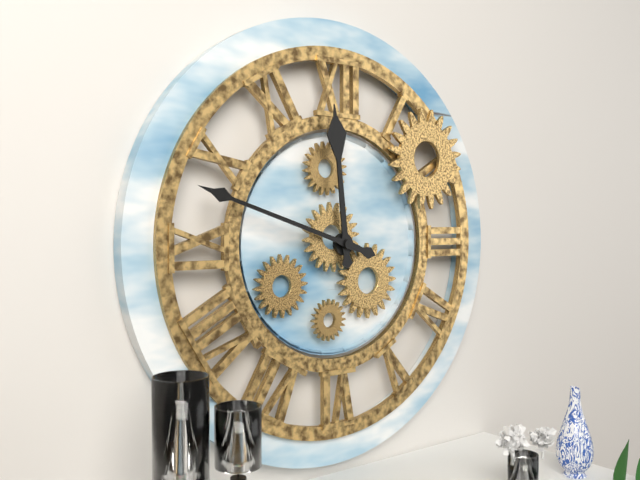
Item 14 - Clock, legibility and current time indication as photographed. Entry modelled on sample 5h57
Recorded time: 11h48
